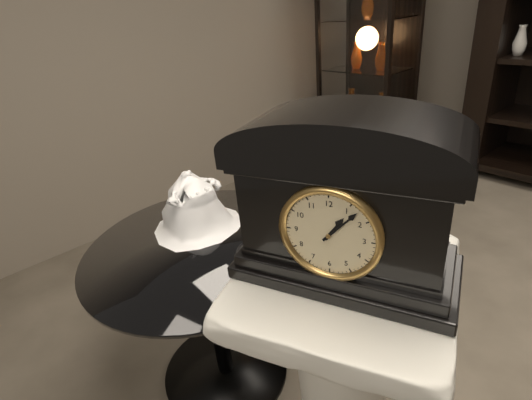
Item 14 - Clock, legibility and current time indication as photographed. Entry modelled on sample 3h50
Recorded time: 1h07
